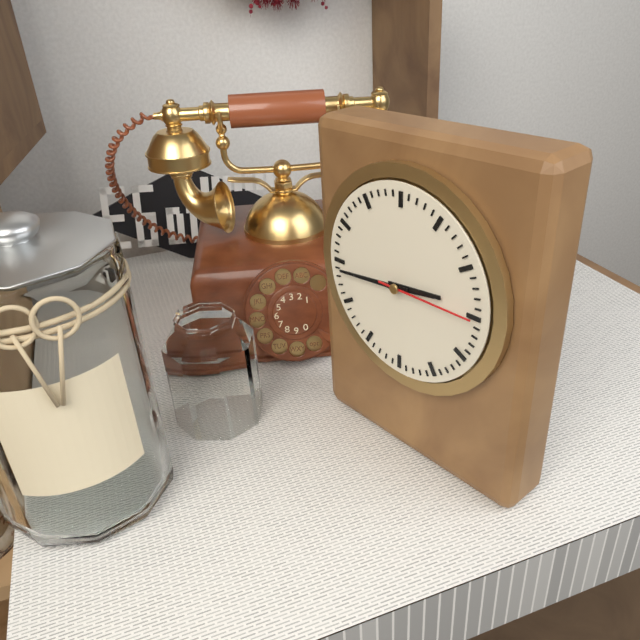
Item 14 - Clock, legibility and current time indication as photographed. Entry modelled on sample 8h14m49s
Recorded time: 2h44m15s
